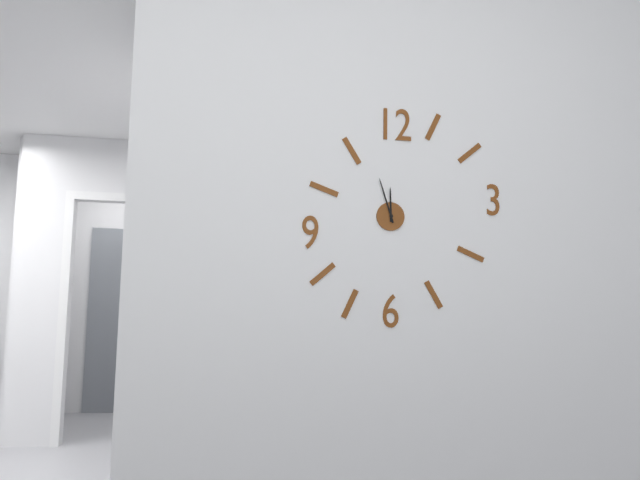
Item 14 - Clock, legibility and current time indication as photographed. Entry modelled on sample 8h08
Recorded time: 11h57
